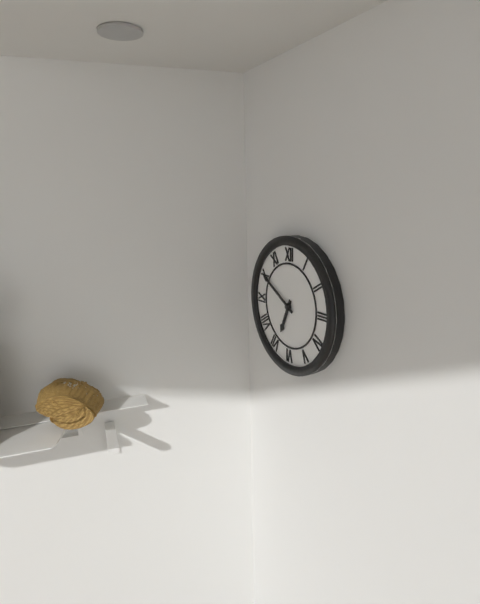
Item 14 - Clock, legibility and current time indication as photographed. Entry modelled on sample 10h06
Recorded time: 6h50
